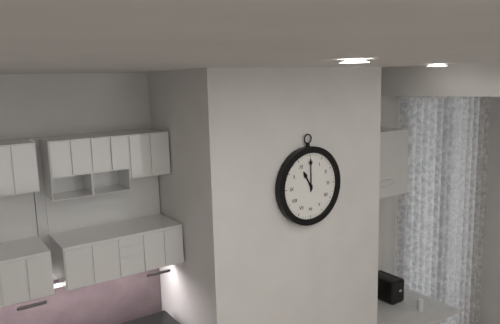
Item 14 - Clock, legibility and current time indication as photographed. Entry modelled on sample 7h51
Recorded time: 11h00
